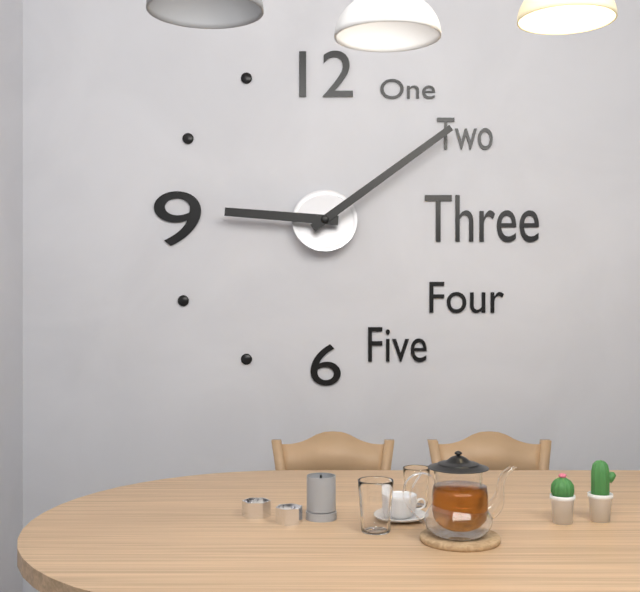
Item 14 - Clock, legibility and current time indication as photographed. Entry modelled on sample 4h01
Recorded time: 9h09
